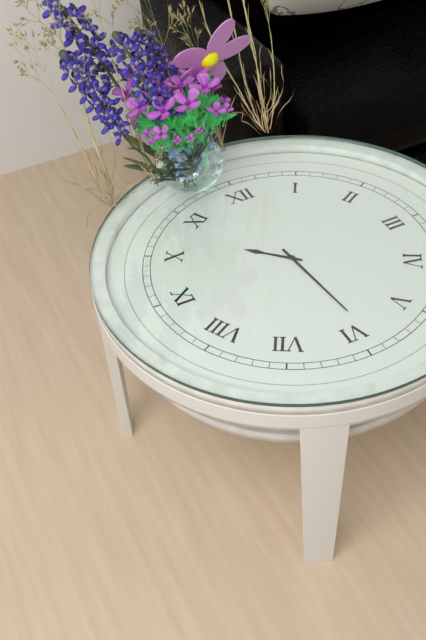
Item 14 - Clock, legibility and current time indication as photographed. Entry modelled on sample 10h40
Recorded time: 10h29
